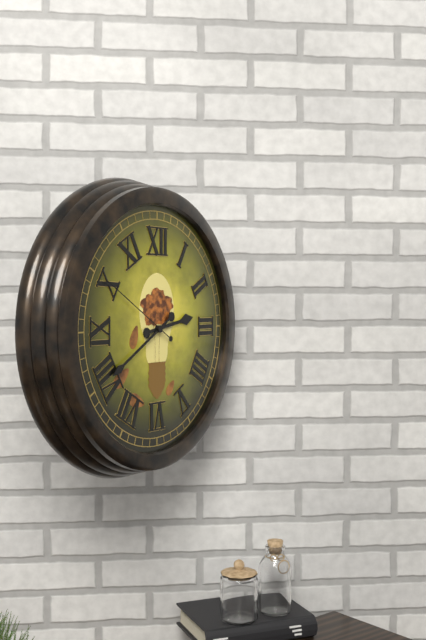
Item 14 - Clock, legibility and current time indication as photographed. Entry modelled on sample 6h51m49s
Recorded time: 2h40m50s
